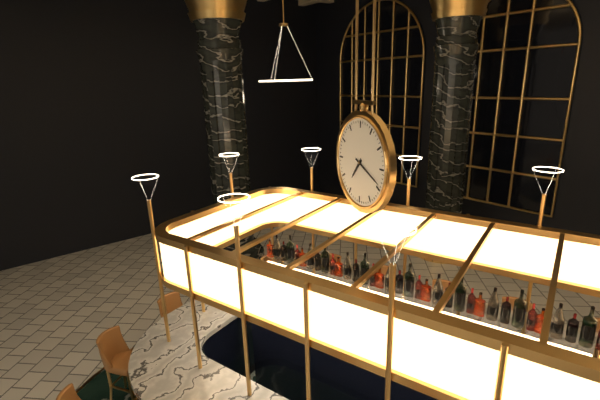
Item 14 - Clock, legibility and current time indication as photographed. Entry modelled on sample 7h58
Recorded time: 7h19
